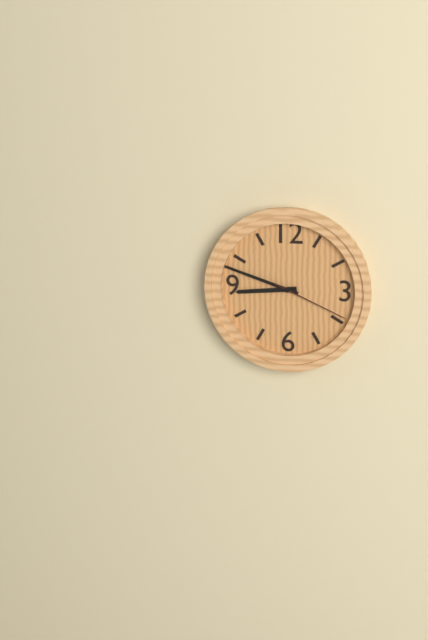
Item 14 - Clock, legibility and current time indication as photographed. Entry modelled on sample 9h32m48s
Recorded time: 8h48m19s
